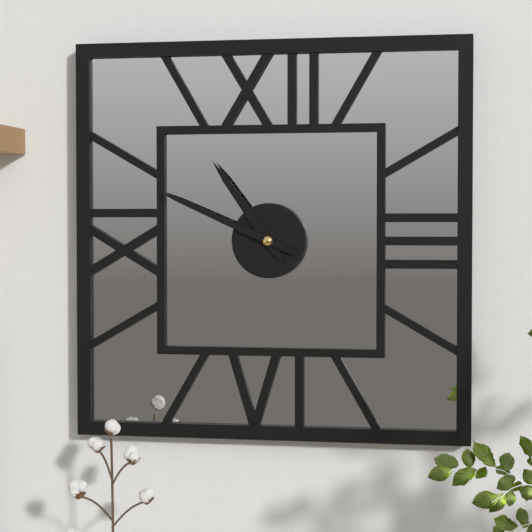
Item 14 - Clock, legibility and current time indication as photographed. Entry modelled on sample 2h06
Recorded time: 10h49
